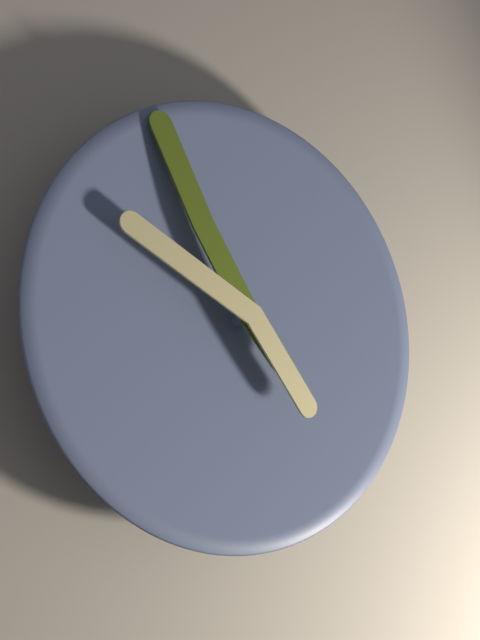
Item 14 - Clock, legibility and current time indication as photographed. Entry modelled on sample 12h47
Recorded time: 9h55
